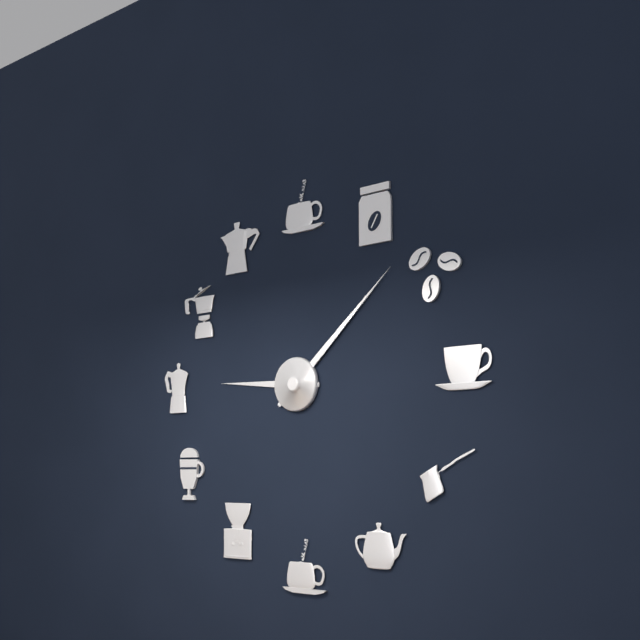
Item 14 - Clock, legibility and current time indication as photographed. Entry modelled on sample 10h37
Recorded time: 9h08
